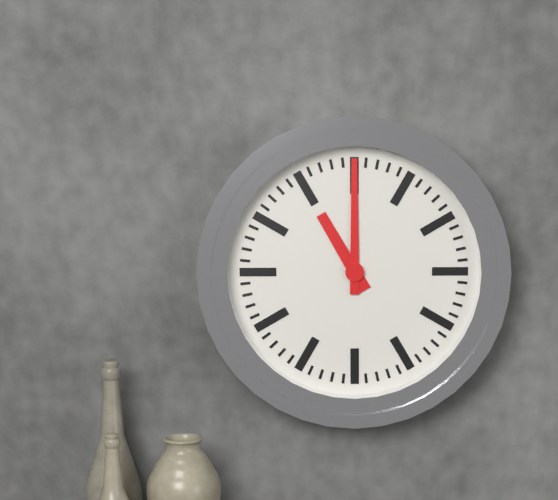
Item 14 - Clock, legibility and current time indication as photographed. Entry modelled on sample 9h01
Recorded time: 11h00
